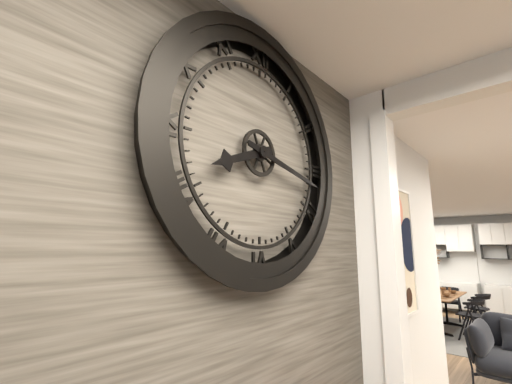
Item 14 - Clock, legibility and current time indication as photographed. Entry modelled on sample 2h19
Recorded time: 8h17
